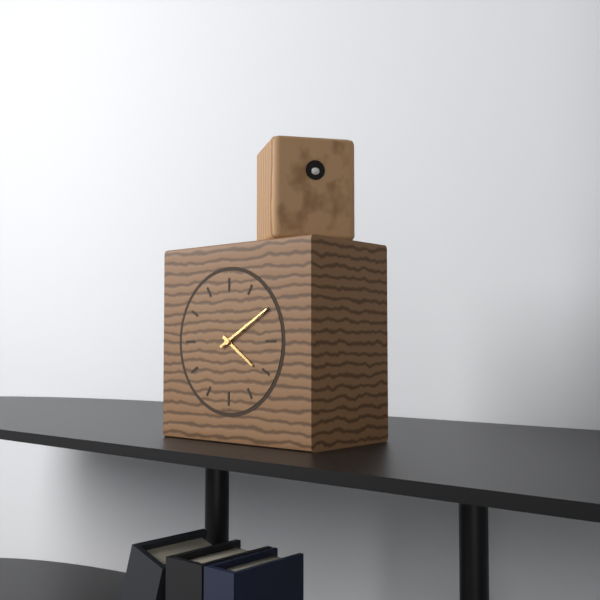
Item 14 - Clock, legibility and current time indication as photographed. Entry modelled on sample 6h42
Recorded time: 4h10
